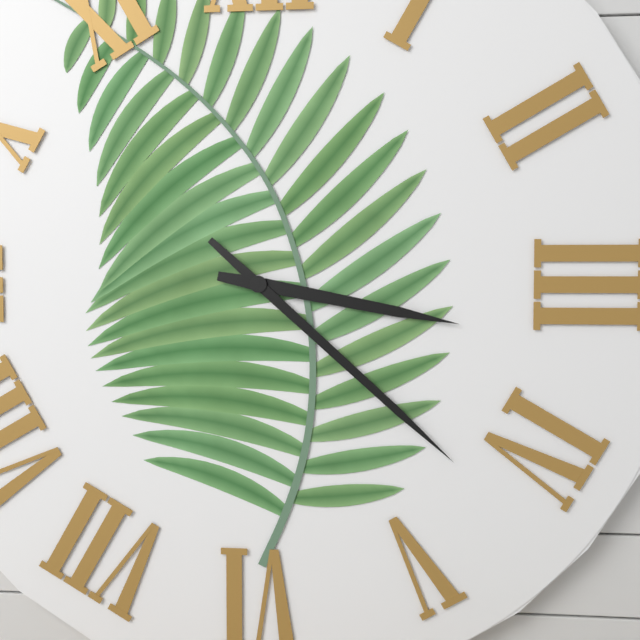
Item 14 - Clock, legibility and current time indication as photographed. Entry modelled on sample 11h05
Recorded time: 3h22
